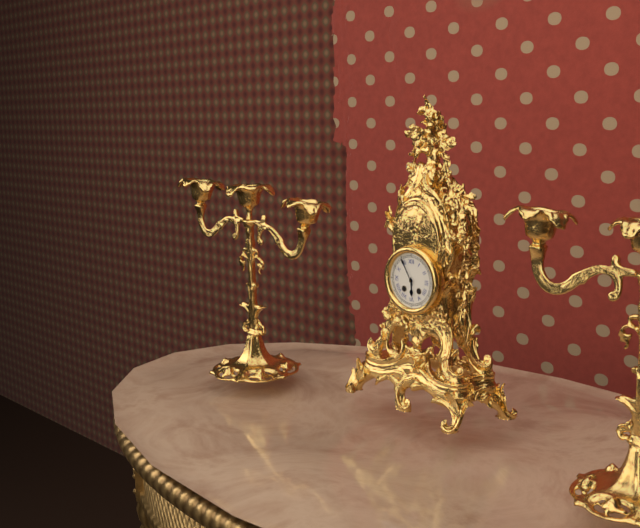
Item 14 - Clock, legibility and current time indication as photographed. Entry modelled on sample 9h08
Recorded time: 5h55
